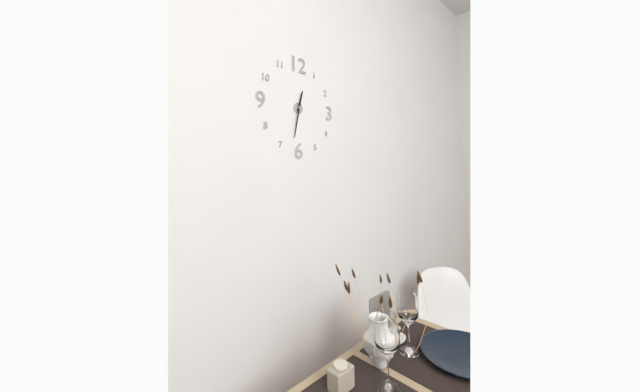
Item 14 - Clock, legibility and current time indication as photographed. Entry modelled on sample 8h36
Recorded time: 12h32
